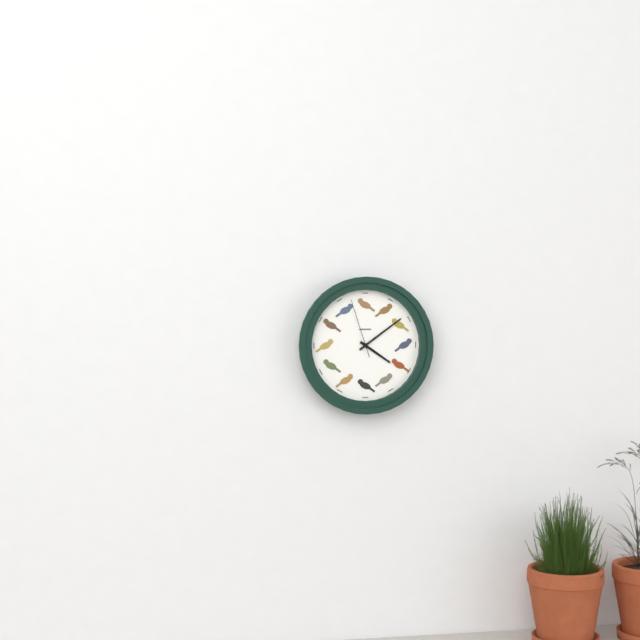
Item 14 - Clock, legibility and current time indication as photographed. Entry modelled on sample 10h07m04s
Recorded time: 4h09m57s
